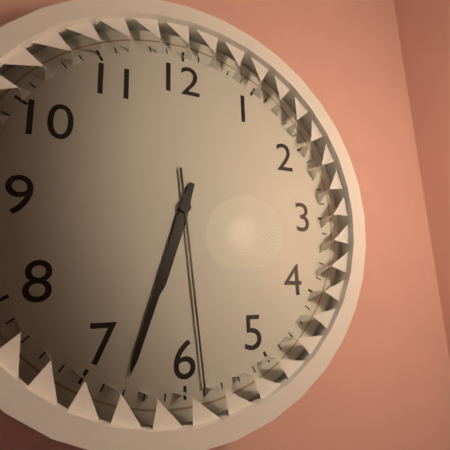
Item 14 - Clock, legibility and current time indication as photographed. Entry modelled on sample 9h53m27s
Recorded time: 6h33m29s
